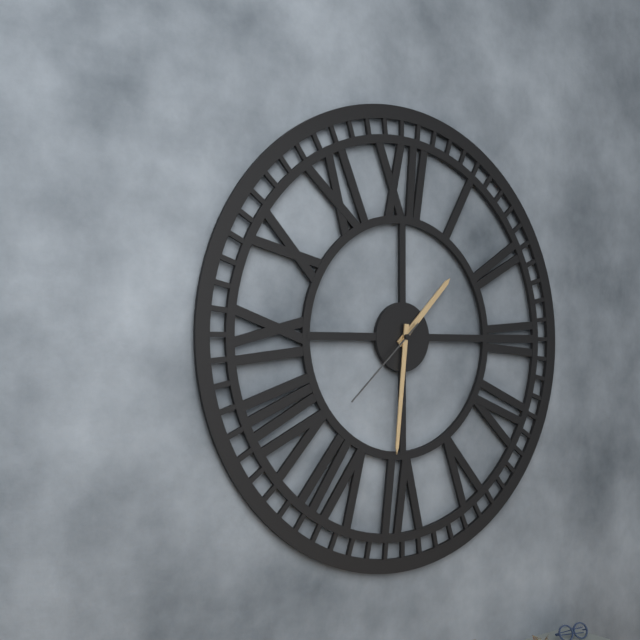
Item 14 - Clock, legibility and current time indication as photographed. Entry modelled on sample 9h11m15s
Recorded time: 1h31m38s
